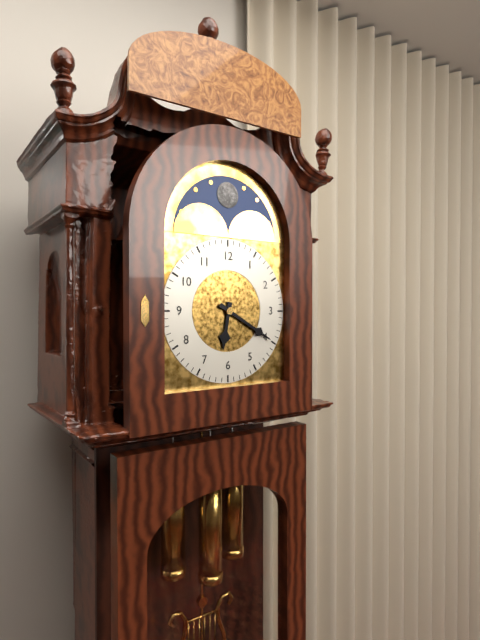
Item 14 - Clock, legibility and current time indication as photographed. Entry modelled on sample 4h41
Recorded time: 6h20
